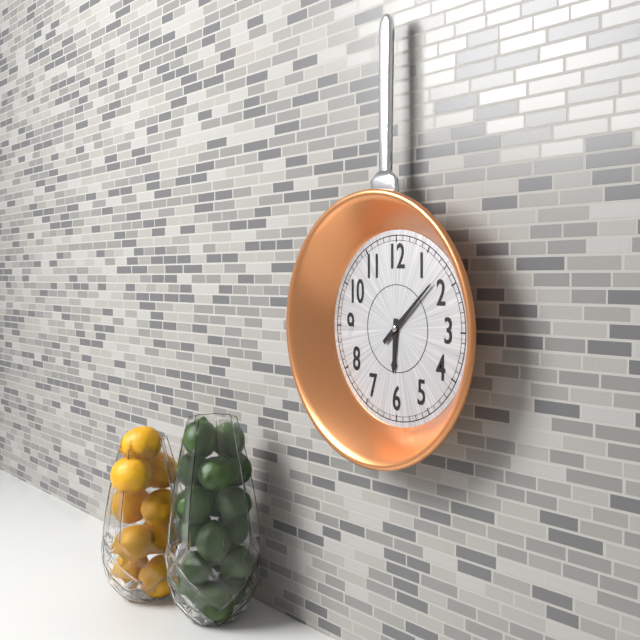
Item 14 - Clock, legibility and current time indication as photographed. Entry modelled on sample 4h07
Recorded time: 6h08
